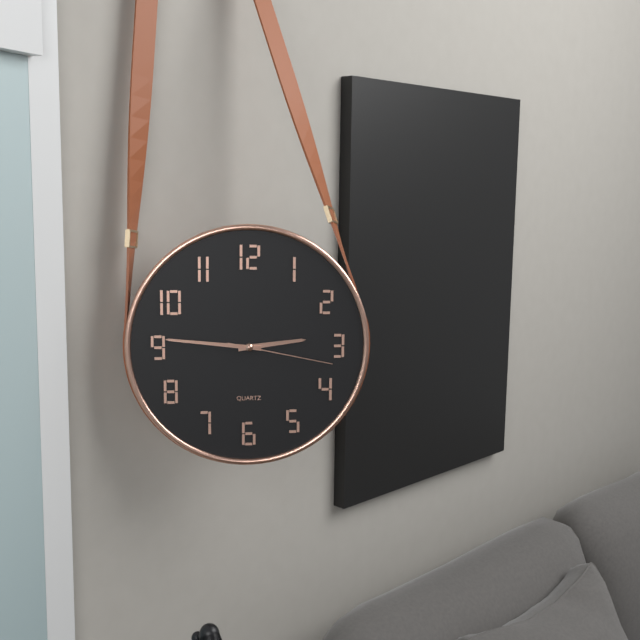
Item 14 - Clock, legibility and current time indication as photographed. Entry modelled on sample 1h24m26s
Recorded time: 2h46m17s
